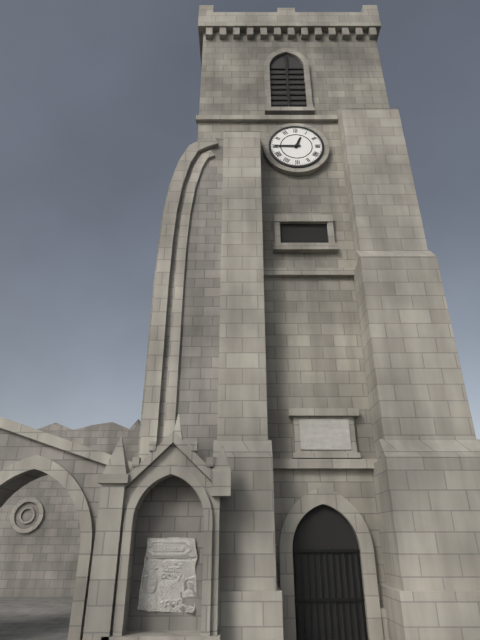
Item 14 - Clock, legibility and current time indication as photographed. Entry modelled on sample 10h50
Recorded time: 12h45
